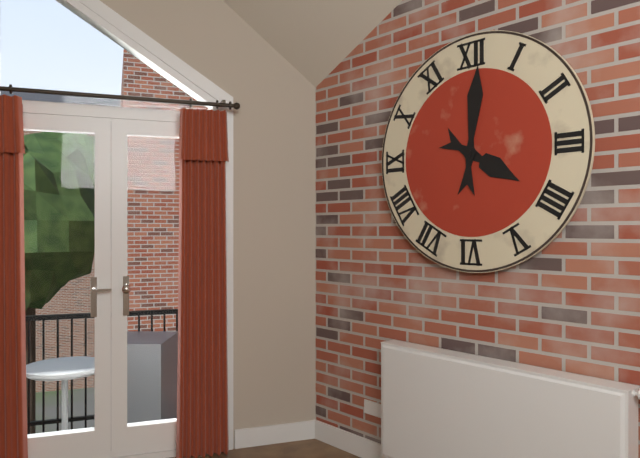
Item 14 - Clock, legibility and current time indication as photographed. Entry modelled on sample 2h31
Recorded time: 4h01
